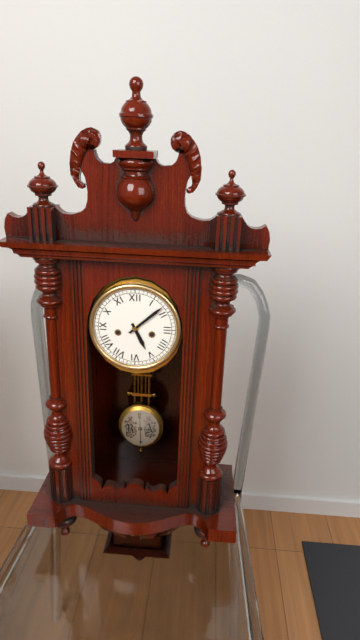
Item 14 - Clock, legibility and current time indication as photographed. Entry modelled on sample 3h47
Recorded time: 5h08
